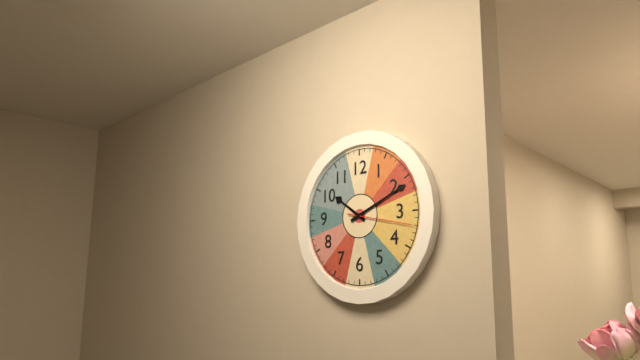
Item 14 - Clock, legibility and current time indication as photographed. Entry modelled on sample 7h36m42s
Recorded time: 10h11m17s
